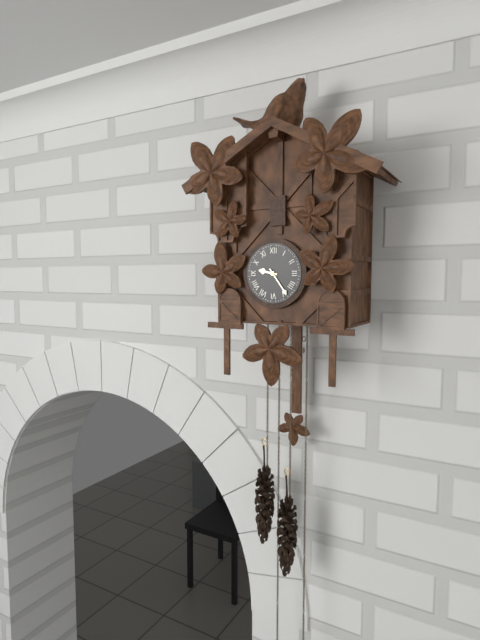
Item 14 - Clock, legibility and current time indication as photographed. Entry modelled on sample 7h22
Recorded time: 9h24
